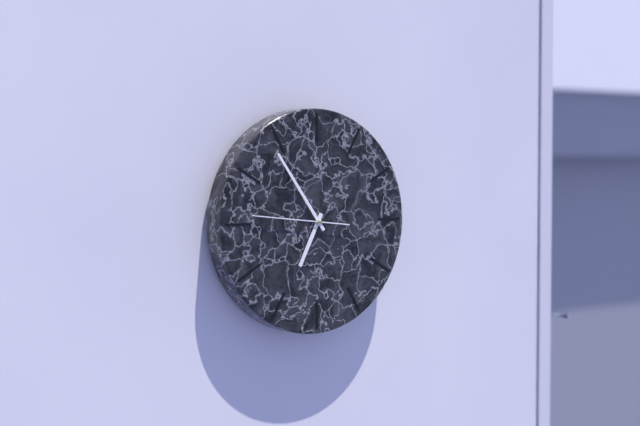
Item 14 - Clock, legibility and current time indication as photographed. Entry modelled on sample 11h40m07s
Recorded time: 6h54m46s
